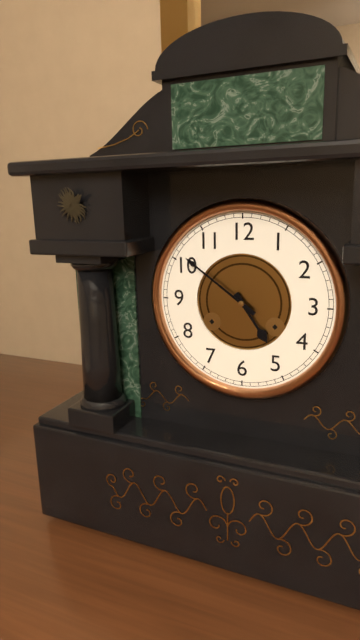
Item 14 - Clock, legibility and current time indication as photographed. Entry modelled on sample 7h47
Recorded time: 4h51
